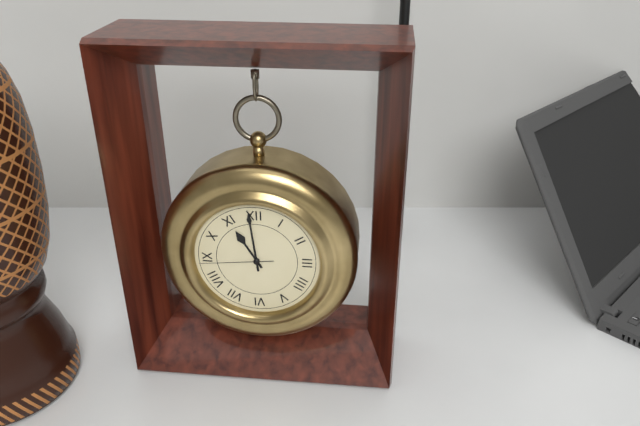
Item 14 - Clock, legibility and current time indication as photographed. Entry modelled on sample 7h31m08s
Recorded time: 10h59m44s
